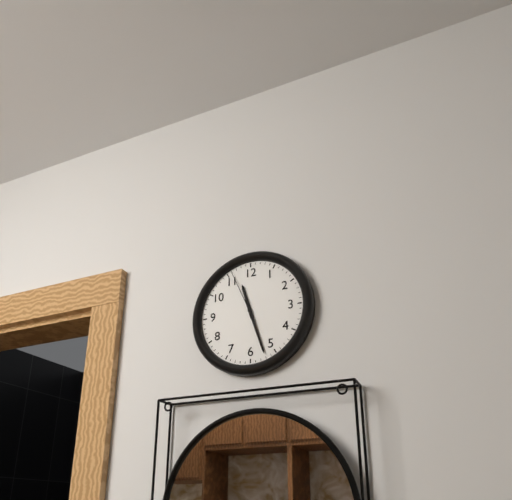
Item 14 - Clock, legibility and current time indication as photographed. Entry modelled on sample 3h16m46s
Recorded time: 11h27m56s
